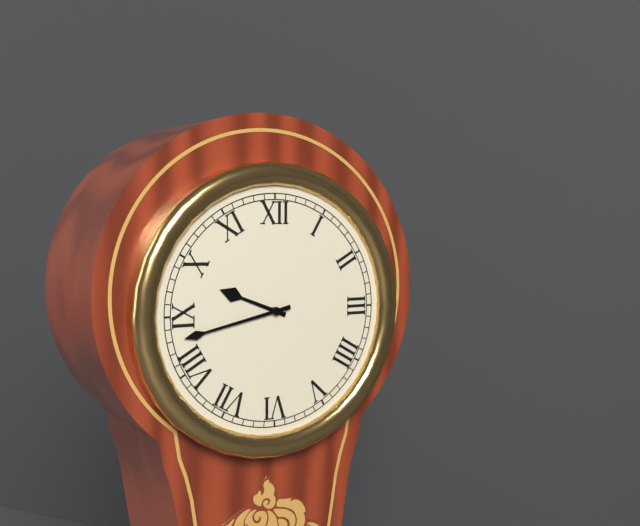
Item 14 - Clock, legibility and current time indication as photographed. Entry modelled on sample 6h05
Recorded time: 9h43
